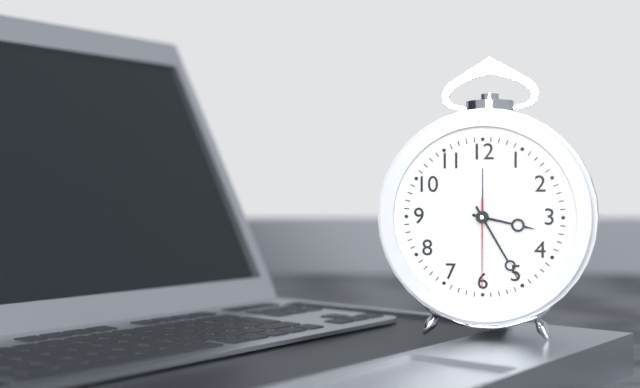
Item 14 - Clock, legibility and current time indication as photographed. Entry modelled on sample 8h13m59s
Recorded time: 3h25m30s
